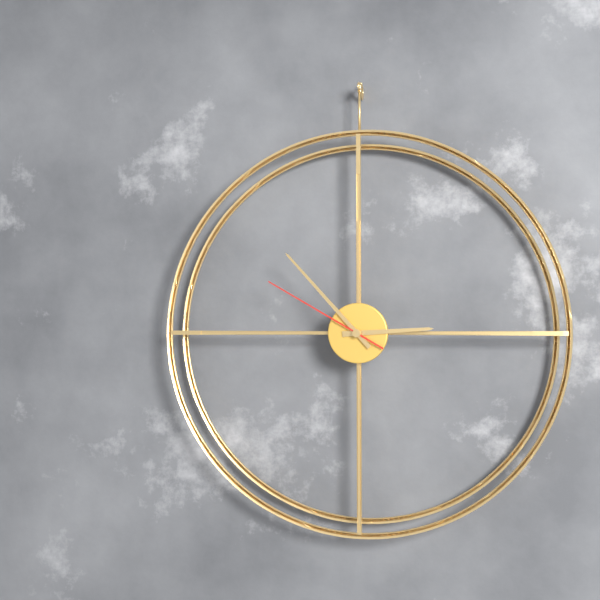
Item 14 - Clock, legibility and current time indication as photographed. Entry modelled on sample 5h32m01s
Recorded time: 2h53m50s
